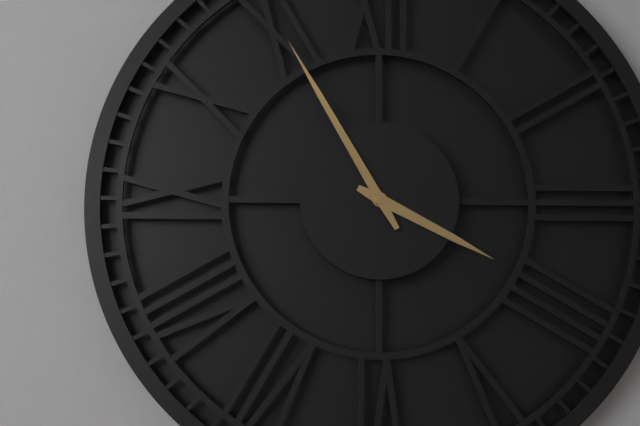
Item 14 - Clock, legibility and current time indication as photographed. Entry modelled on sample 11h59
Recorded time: 3h55
